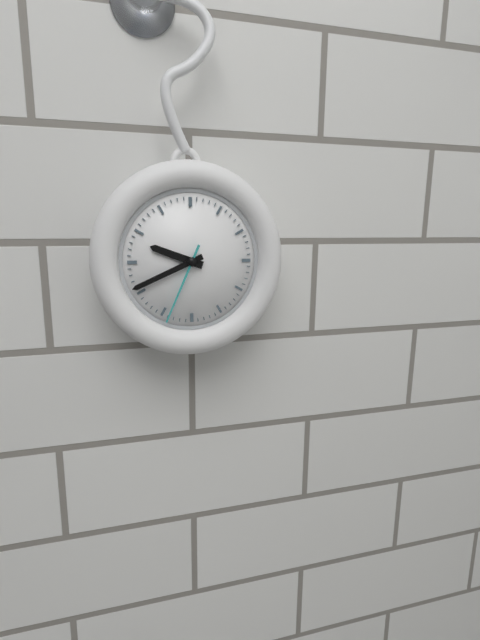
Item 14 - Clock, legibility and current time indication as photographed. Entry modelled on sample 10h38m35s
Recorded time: 9h41m34s
